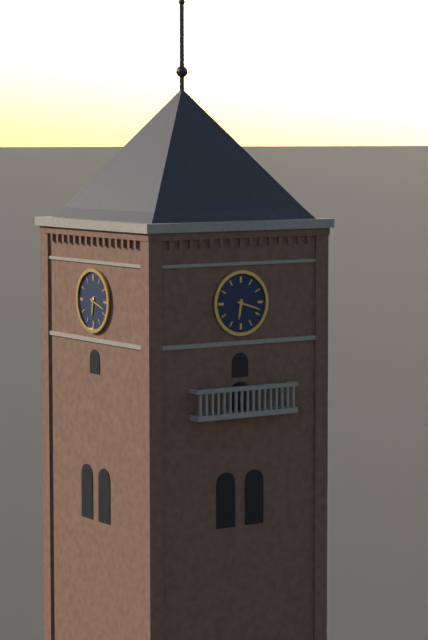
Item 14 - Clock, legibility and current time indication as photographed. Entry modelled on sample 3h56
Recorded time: 6h18
